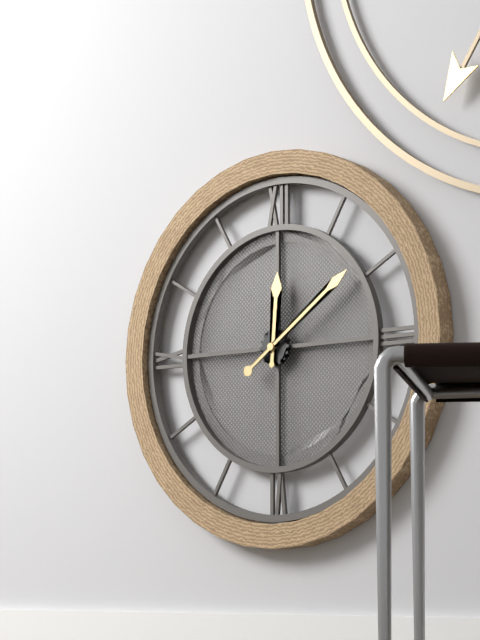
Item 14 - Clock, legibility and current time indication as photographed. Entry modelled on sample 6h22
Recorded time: 12h09
